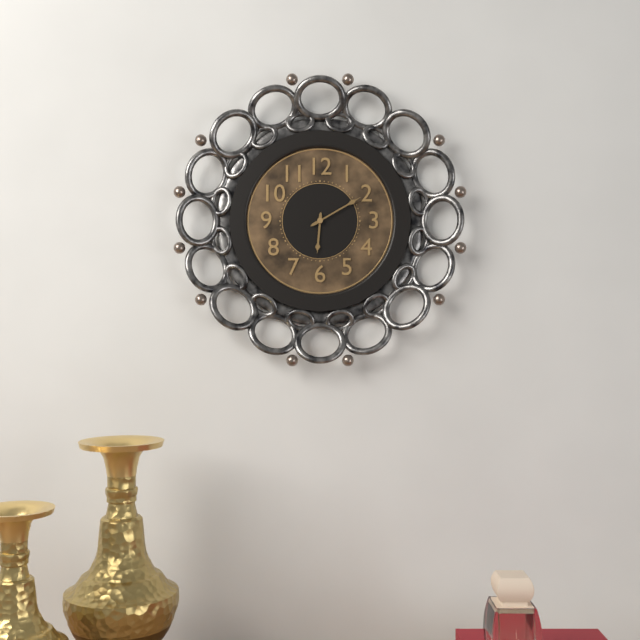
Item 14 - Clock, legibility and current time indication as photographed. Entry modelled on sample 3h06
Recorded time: 6h10
